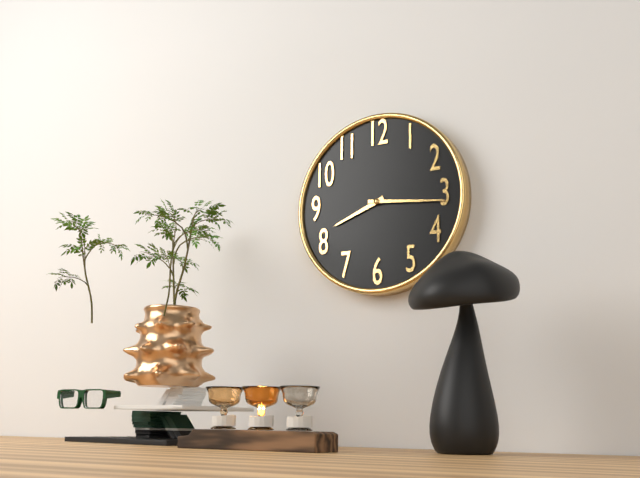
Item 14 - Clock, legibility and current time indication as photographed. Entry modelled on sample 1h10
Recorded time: 8h16
